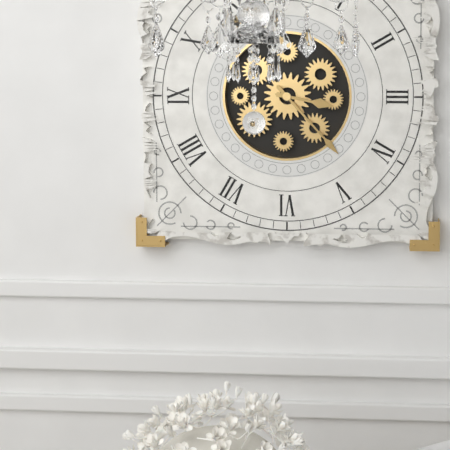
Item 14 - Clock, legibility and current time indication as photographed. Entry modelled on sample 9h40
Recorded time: 3h23
